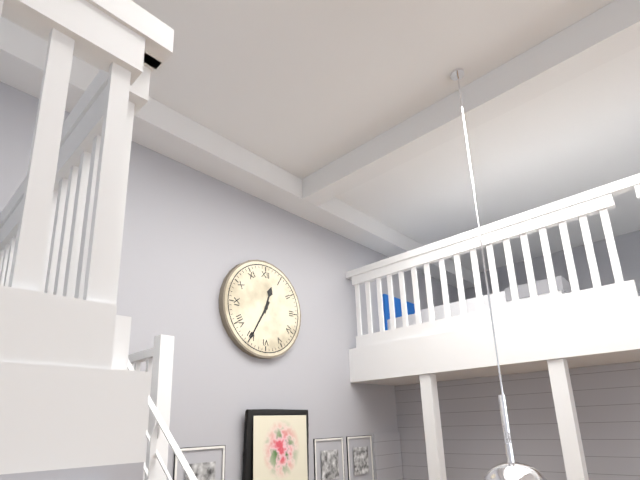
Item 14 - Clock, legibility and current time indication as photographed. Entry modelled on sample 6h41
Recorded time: 12h35
